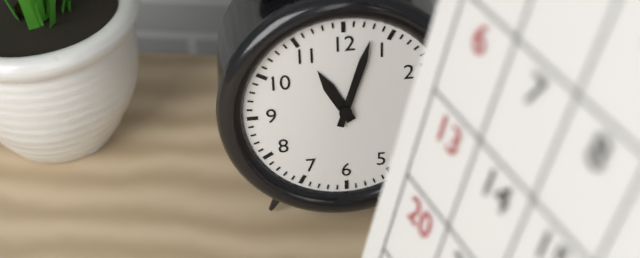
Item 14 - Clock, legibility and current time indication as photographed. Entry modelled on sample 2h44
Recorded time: 11h03
